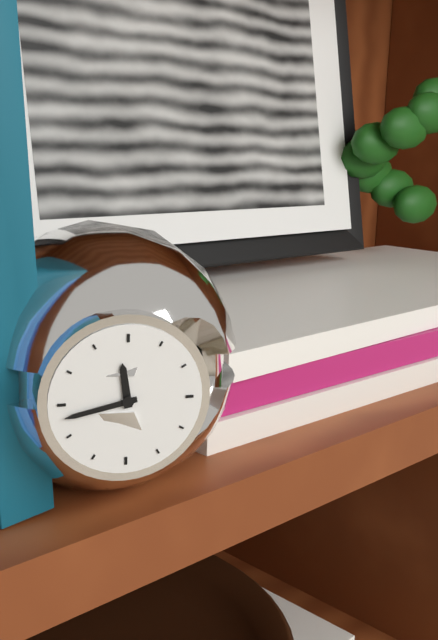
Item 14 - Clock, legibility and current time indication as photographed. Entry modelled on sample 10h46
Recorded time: 11h43
